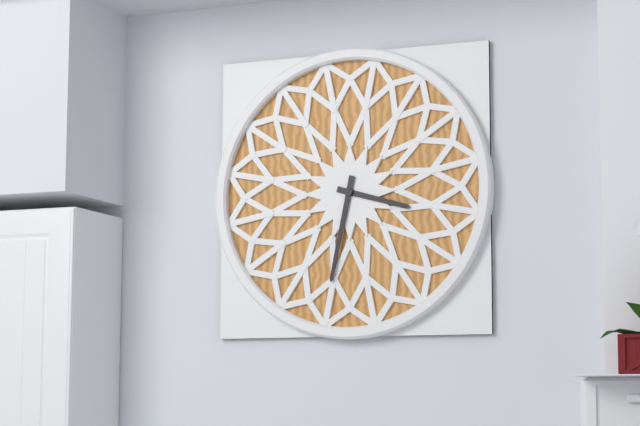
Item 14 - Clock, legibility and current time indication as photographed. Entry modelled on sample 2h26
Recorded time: 3h32
